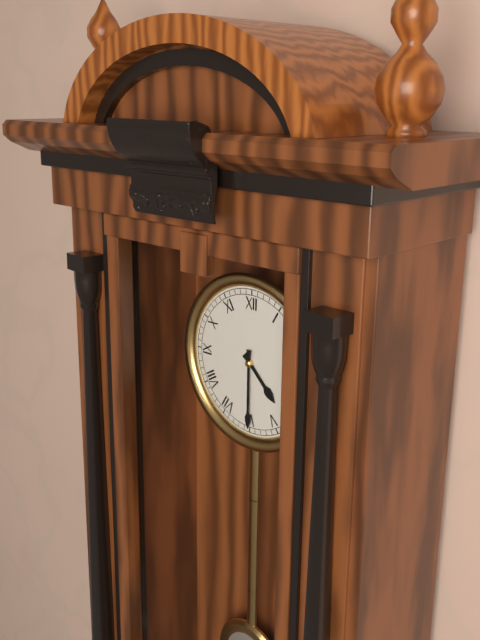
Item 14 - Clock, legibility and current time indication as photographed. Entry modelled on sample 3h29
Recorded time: 4h30
